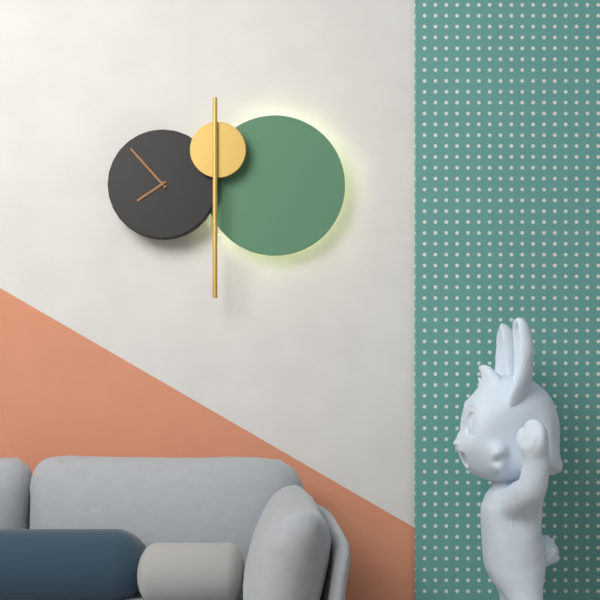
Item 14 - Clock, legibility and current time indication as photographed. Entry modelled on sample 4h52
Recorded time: 7h53
